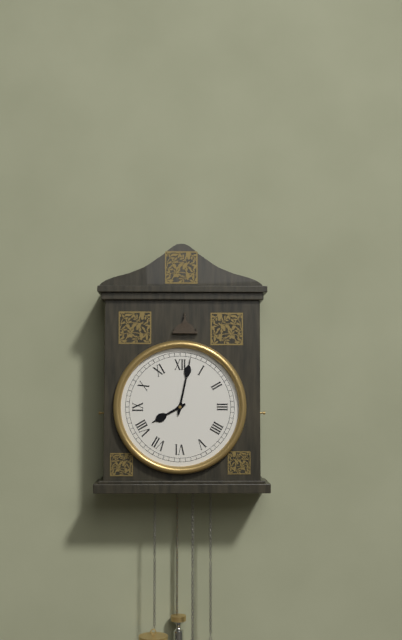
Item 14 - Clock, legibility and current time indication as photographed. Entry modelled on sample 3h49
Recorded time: 8h02
